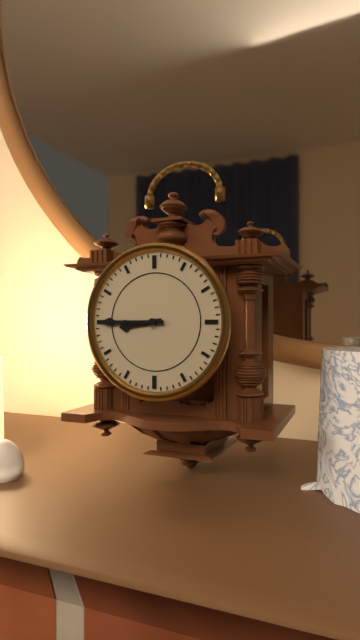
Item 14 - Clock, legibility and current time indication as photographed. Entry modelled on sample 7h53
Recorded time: 8h45
